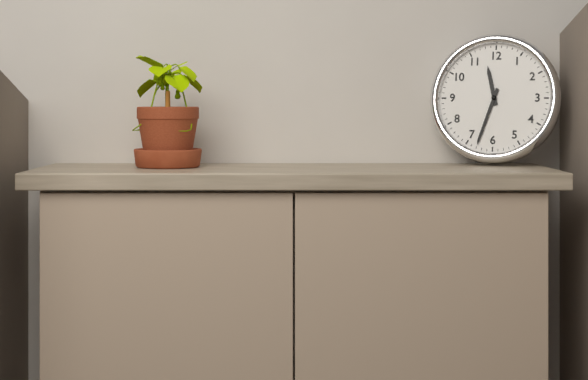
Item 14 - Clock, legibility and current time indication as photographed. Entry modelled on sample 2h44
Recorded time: 11h33
